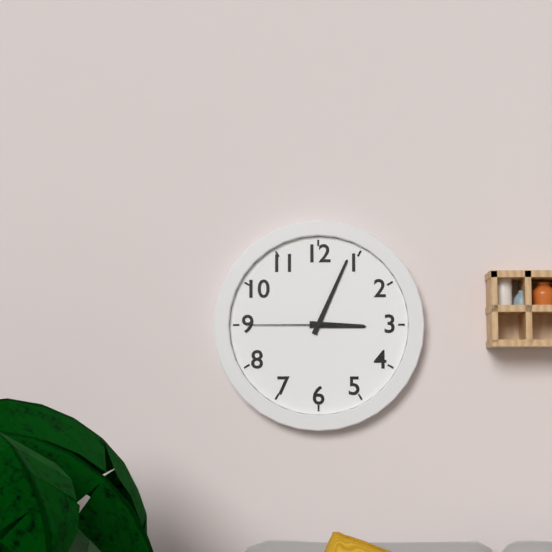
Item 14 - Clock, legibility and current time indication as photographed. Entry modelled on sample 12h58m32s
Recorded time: 3h04m45s
